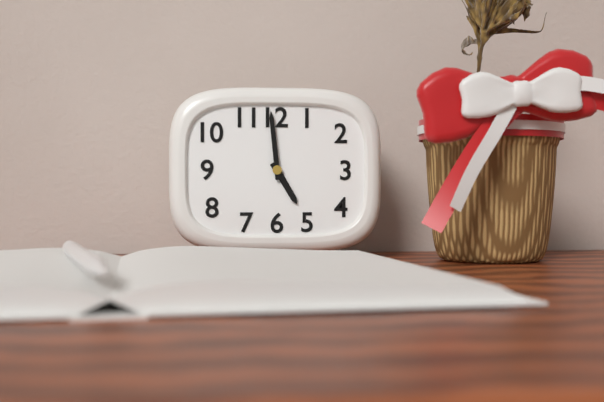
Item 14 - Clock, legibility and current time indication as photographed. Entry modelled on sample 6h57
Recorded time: 4h59
